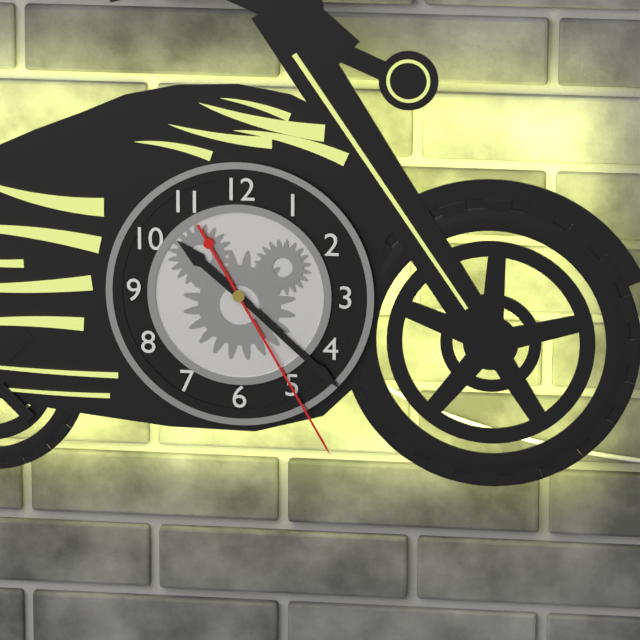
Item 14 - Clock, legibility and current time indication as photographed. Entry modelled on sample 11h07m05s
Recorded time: 10h22m25s
